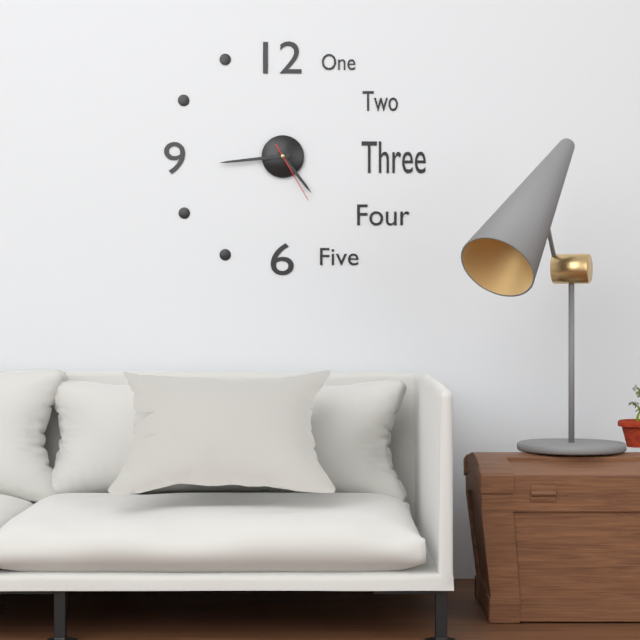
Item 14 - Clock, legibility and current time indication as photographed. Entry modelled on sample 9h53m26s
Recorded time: 4h44m25s
